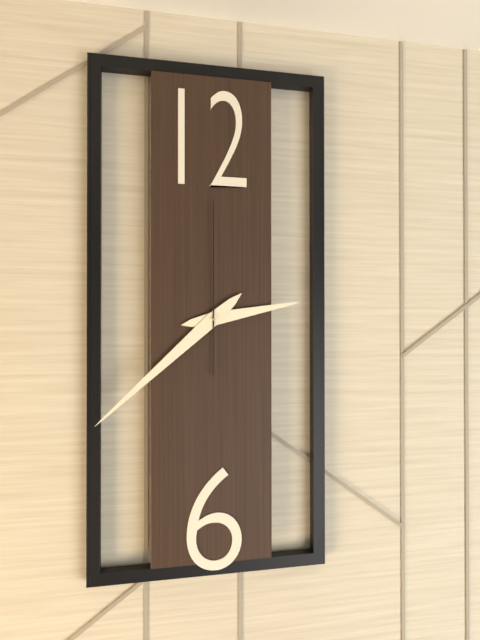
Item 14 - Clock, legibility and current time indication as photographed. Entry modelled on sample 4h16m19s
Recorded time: 2h38m00s
